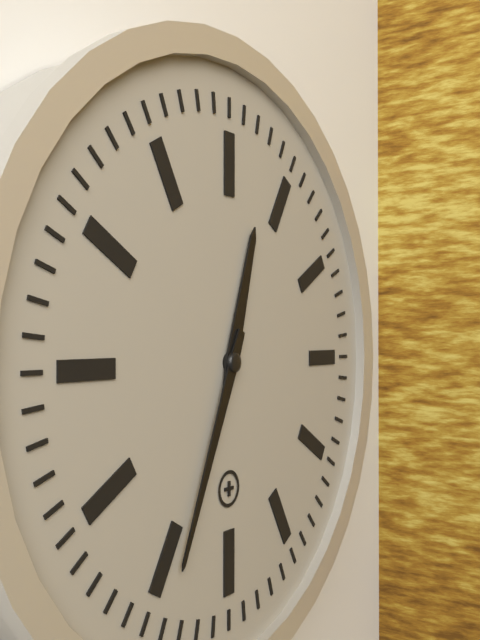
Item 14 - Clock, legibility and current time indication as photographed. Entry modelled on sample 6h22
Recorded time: 12h34
